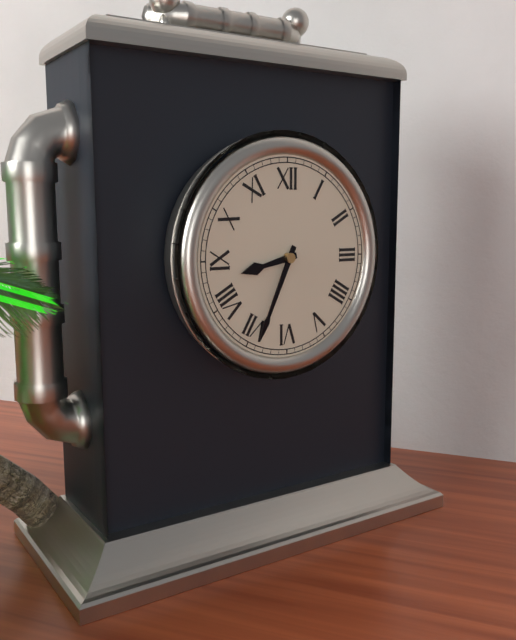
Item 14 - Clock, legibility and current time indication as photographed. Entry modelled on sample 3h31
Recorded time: 8h34
